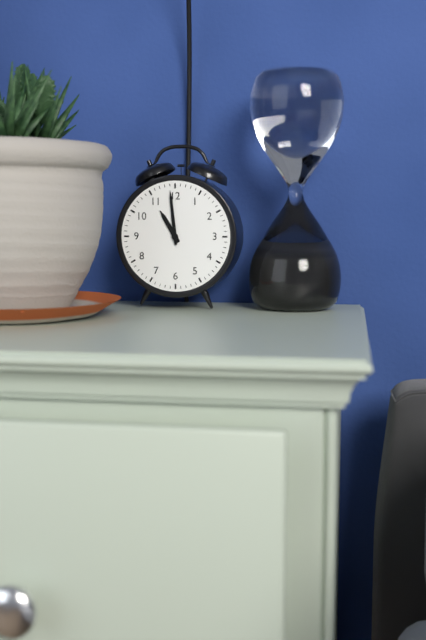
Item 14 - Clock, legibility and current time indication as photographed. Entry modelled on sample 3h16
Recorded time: 10h59
